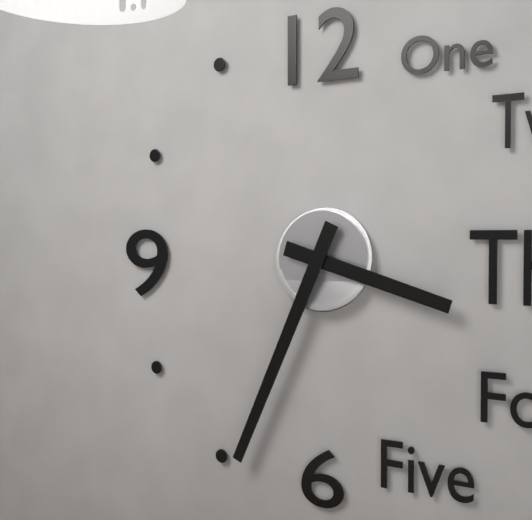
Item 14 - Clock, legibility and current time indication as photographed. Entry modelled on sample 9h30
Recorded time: 3h34
